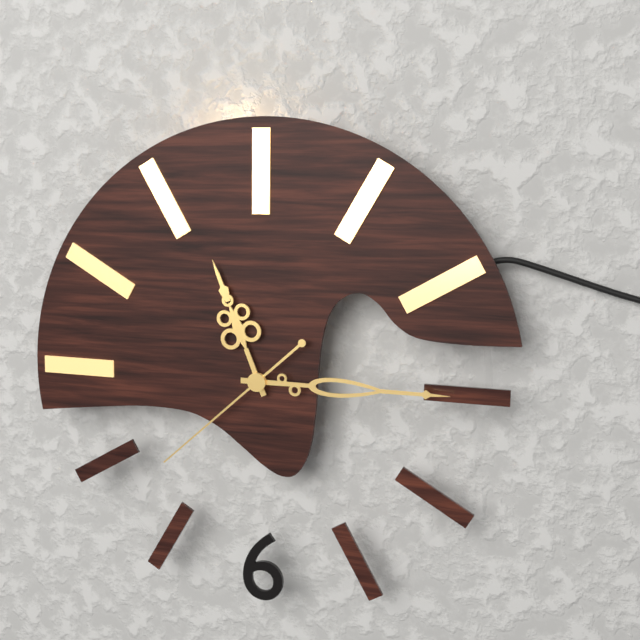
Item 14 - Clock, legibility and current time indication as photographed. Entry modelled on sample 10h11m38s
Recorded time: 11h15m38s
